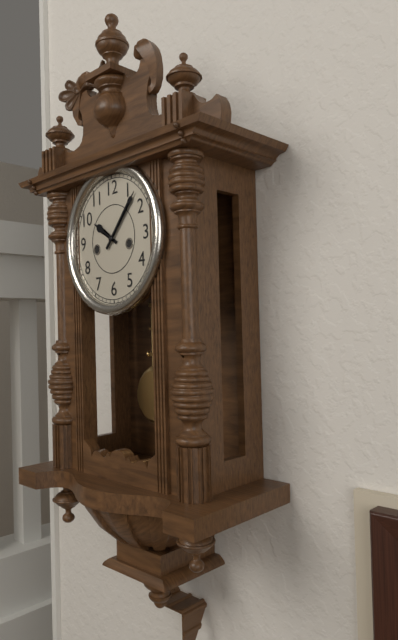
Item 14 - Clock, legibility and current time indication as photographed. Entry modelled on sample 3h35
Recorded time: 10h07
